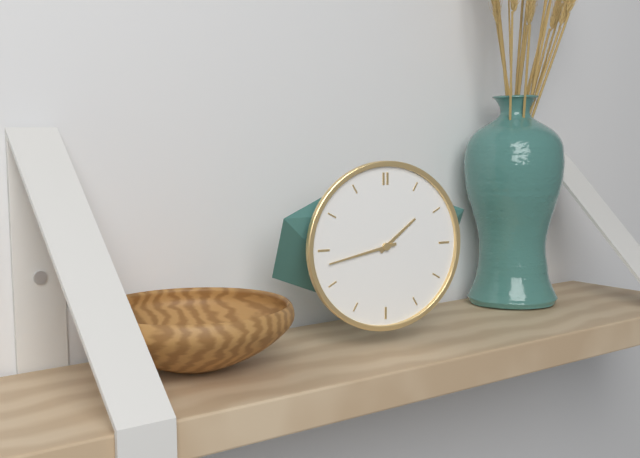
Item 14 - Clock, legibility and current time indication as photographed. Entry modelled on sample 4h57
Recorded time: 1h43
